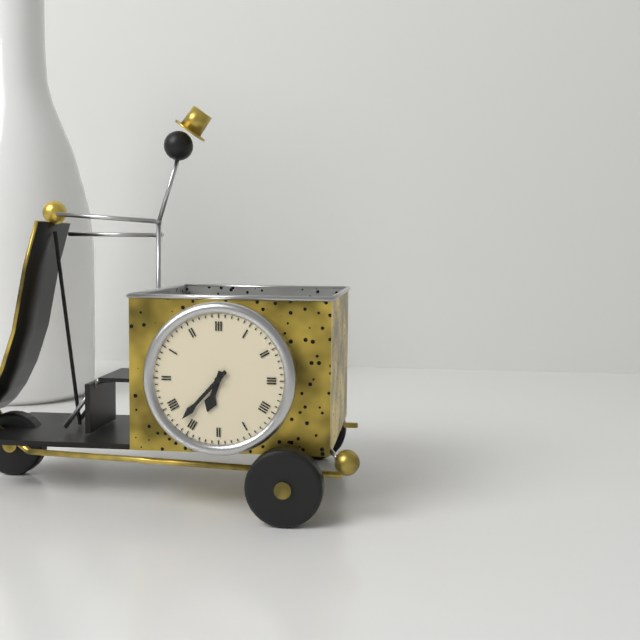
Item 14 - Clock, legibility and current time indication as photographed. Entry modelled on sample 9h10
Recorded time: 6h37
